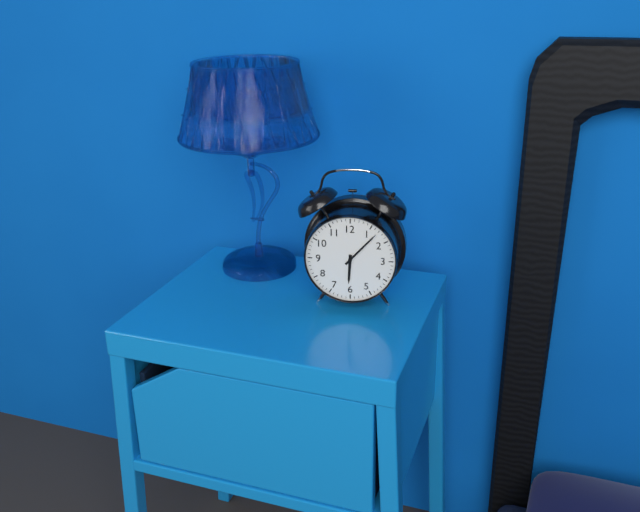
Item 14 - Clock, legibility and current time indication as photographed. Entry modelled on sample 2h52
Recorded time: 6h07
